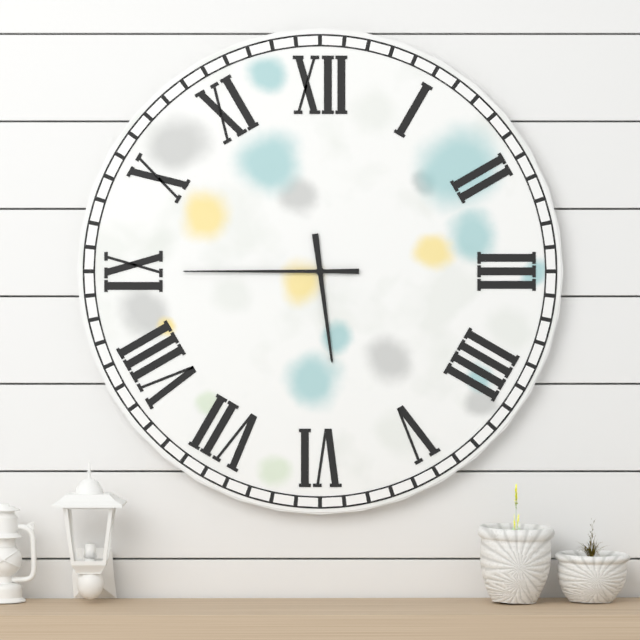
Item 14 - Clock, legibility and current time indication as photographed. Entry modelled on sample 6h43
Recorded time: 5h45
